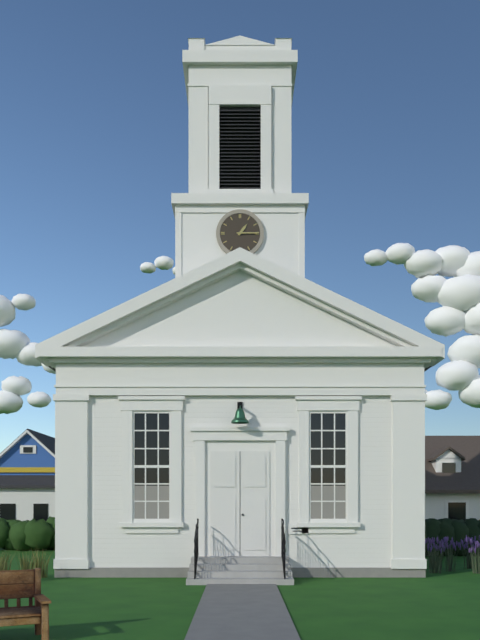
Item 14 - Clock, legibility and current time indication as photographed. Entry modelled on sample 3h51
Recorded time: 1h15
